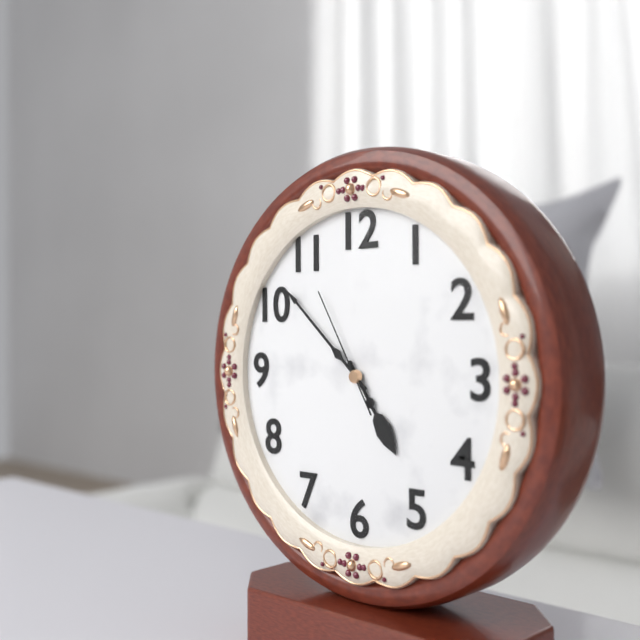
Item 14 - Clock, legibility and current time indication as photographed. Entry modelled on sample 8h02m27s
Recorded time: 4h52m55s
